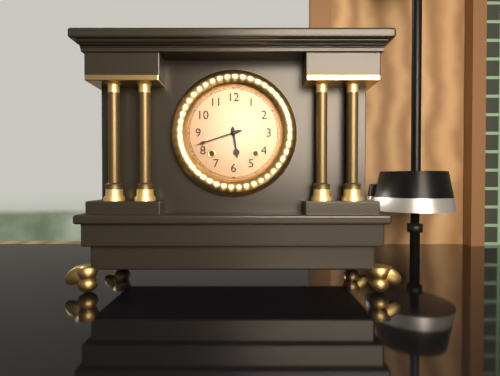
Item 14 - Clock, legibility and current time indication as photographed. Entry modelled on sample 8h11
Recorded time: 5h42
